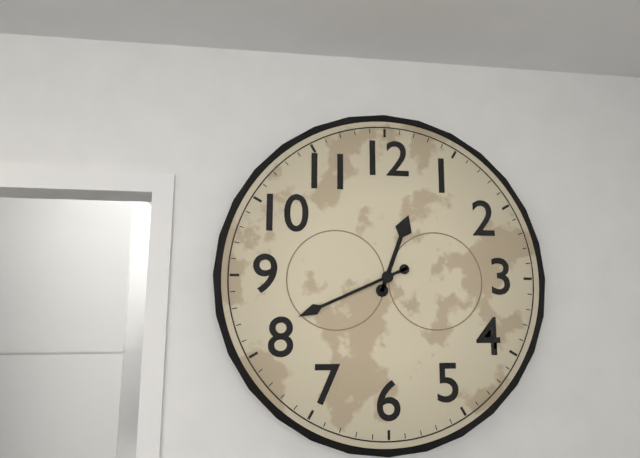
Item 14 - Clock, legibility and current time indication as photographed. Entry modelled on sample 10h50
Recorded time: 12h41
